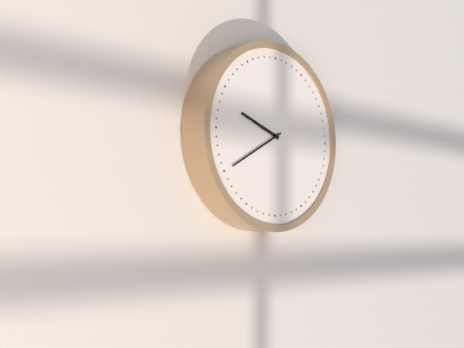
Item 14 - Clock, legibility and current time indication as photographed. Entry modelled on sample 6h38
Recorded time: 9h40
